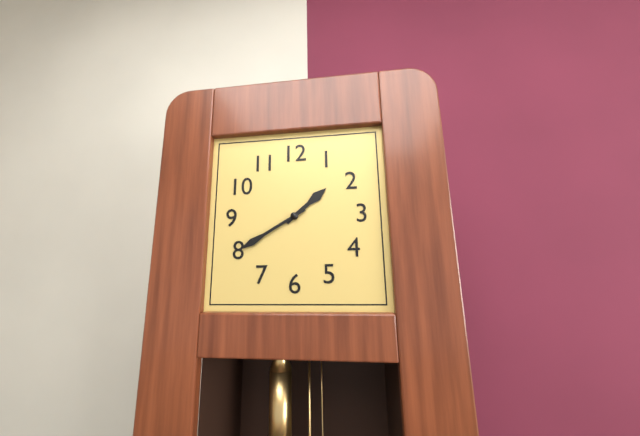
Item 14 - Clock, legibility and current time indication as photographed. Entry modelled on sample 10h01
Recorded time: 1h40
